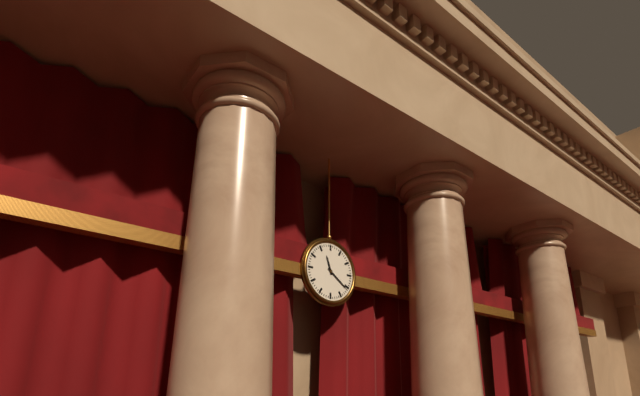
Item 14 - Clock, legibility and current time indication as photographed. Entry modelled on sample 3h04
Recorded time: 11h21
